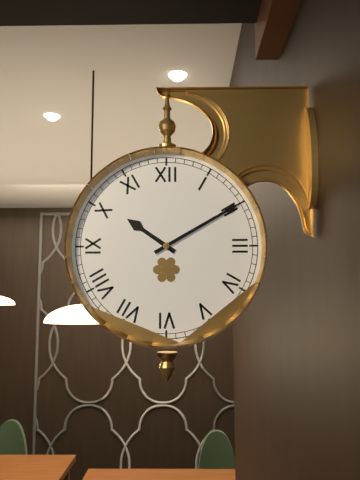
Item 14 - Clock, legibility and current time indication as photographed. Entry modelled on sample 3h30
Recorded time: 10h10
